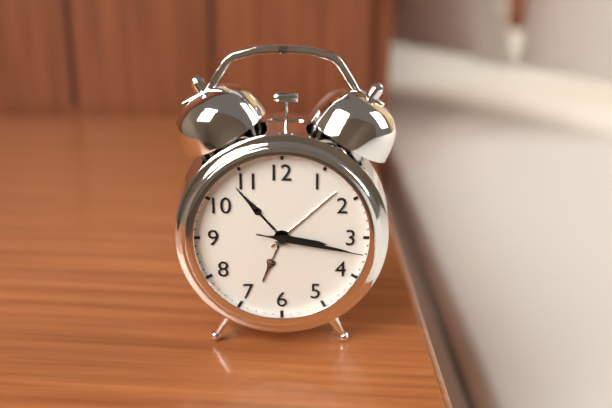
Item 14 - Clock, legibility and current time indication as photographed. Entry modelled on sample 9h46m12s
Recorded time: 3h17m17s
